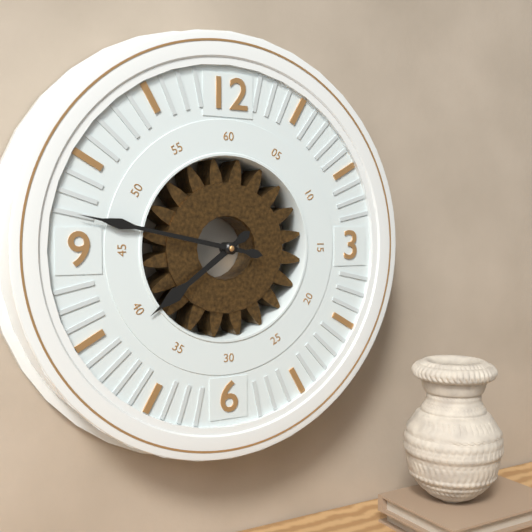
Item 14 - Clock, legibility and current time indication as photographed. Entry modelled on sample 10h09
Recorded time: 7h47
